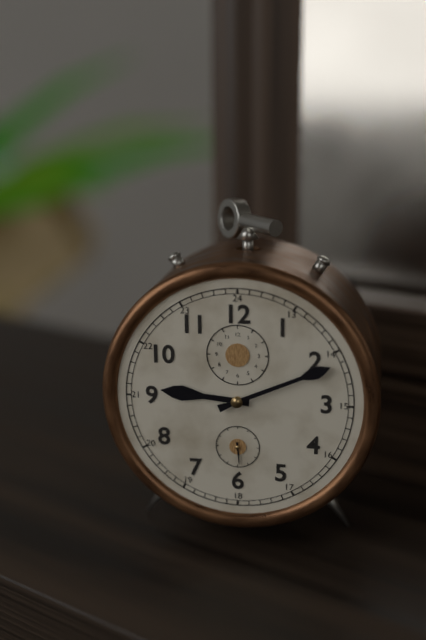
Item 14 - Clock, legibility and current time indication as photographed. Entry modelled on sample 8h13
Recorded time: 9h11
